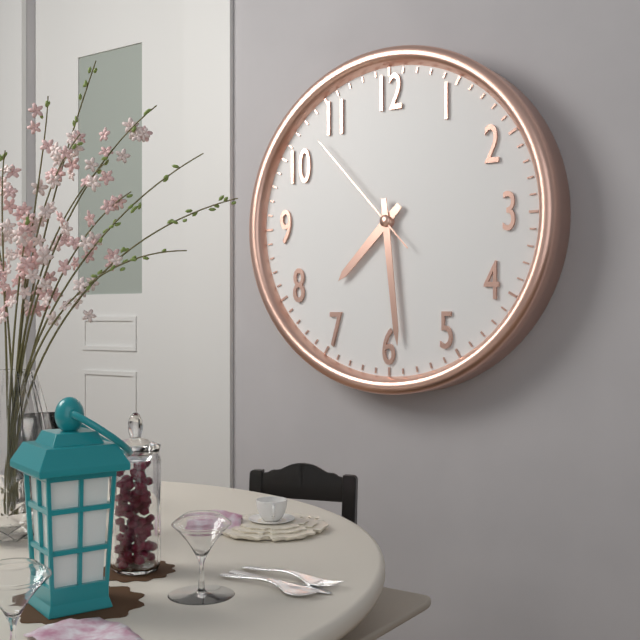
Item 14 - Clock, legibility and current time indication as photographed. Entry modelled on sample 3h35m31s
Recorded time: 7h29m53s
